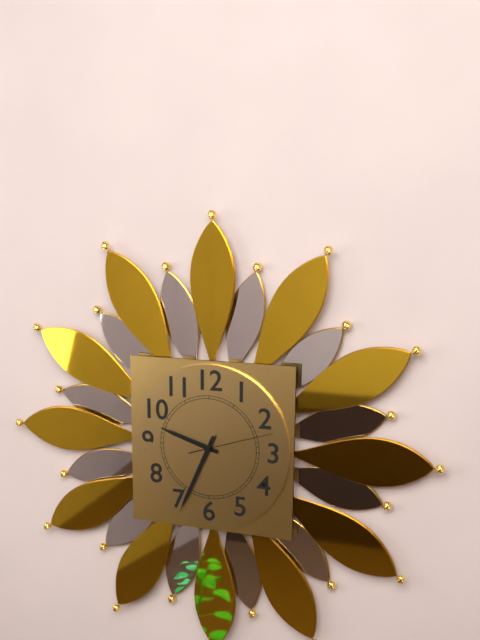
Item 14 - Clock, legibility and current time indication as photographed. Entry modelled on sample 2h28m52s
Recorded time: 9h34m12s
